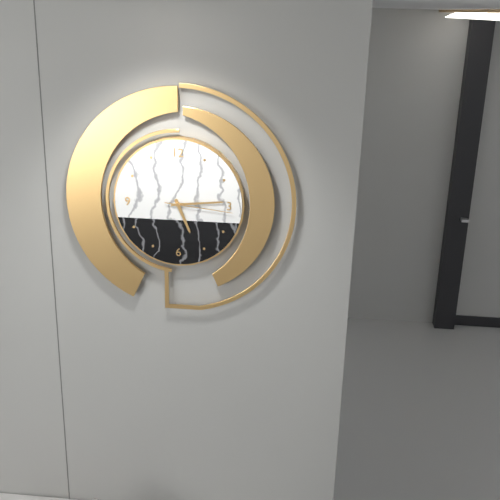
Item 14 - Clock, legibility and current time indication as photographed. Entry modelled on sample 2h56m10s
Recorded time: 5h14m16s
